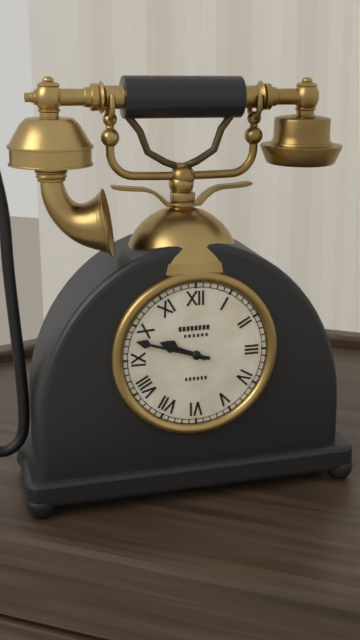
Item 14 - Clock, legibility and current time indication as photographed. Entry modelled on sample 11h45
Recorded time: 9h48
